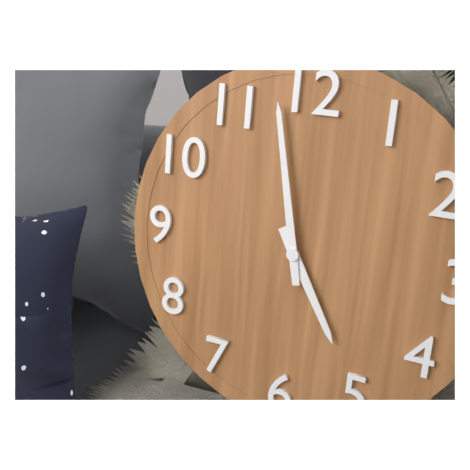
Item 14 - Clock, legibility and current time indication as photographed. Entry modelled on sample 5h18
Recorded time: 4h58
